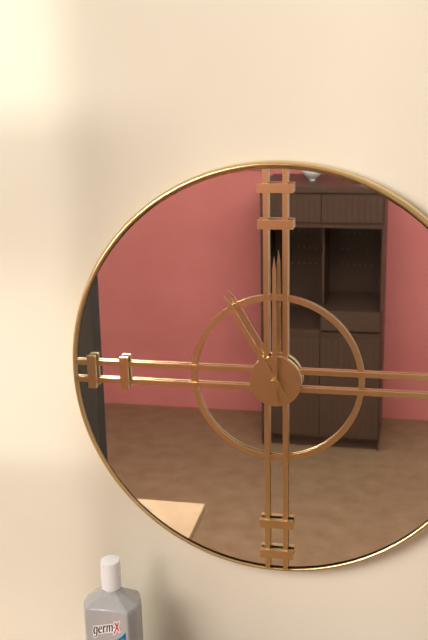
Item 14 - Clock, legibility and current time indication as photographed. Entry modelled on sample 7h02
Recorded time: 11h00
